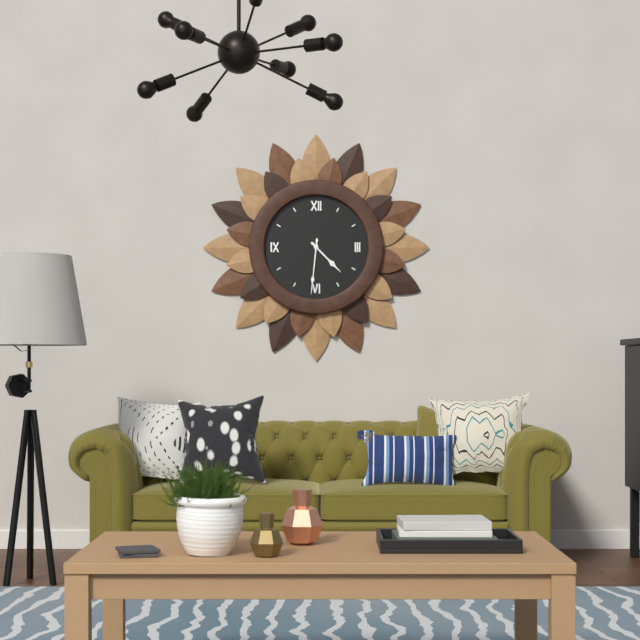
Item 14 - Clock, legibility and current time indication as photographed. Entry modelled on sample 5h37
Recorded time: 4h31
